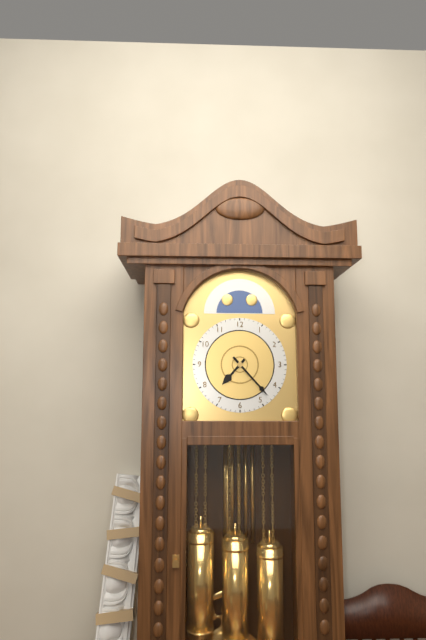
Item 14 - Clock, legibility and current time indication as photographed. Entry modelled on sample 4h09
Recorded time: 7h23
